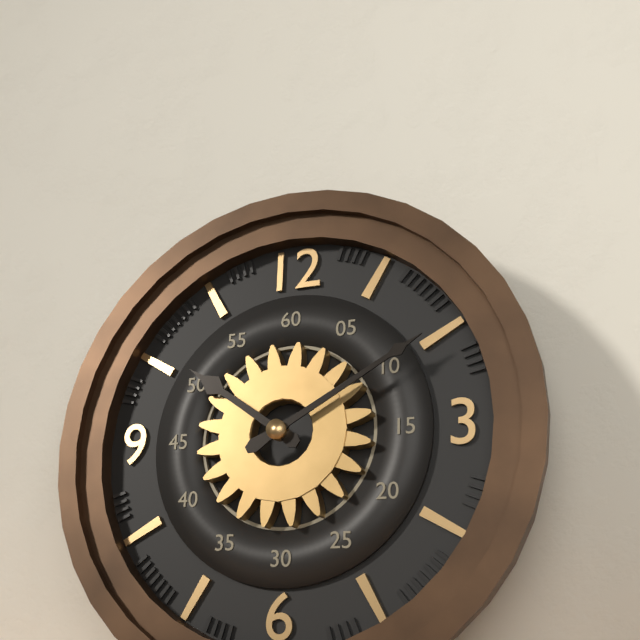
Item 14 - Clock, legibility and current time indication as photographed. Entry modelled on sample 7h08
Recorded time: 10h10
